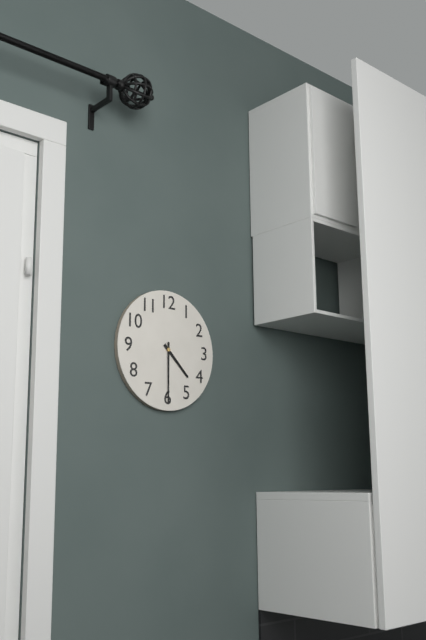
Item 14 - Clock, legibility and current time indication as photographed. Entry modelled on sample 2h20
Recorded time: 4h30
